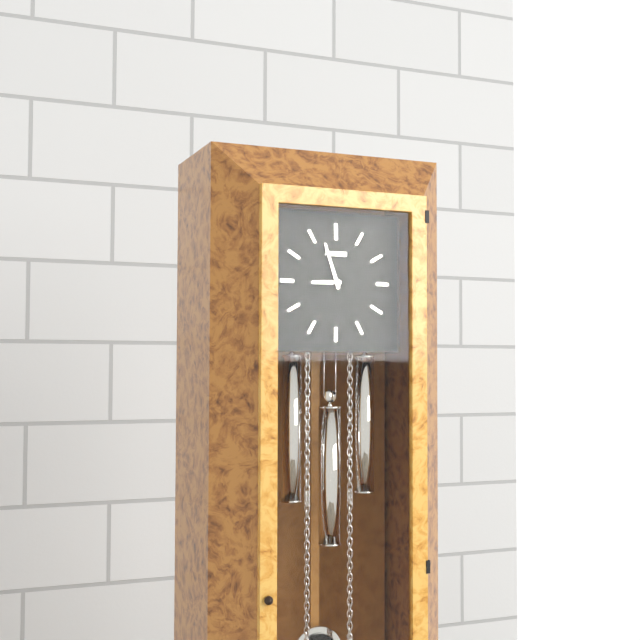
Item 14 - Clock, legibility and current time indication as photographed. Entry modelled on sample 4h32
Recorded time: 8h57
